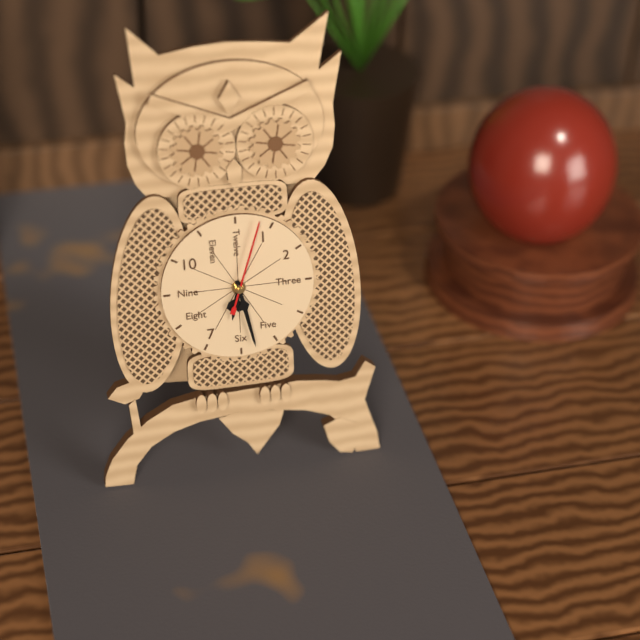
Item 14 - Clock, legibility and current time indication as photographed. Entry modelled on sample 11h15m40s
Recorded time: 6h28m03s
